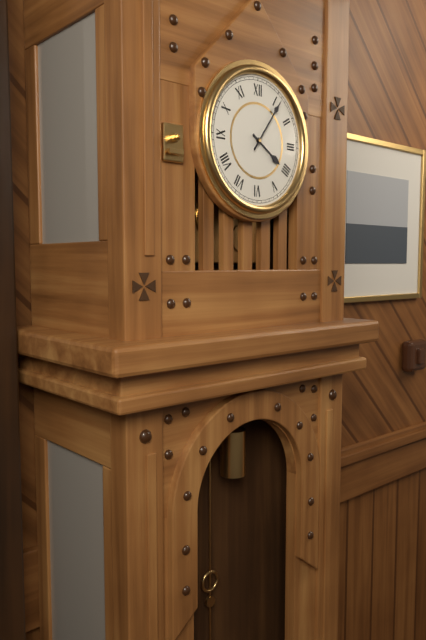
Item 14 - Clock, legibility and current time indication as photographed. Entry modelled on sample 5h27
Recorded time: 4h06
